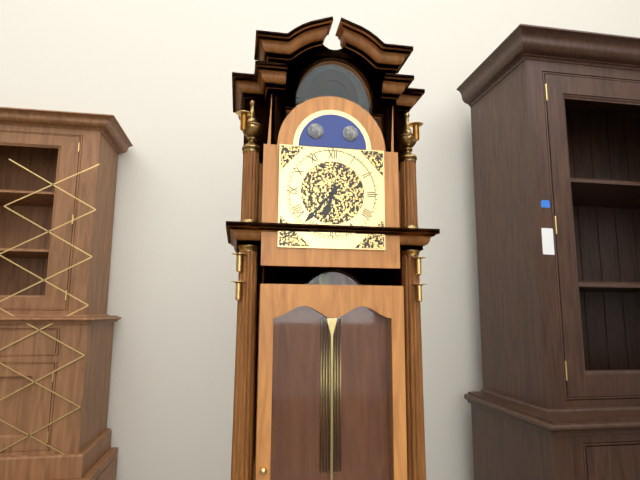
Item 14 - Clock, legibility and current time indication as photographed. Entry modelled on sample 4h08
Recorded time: 6h37
